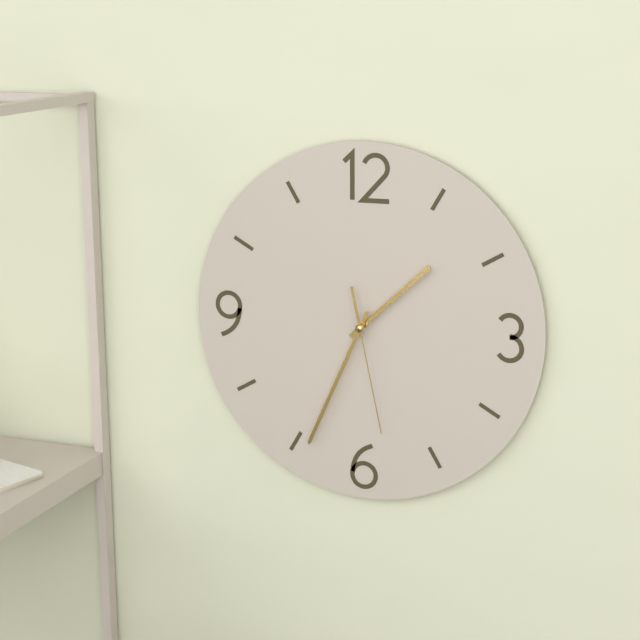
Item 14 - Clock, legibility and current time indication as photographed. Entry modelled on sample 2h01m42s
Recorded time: 1h34m28s
